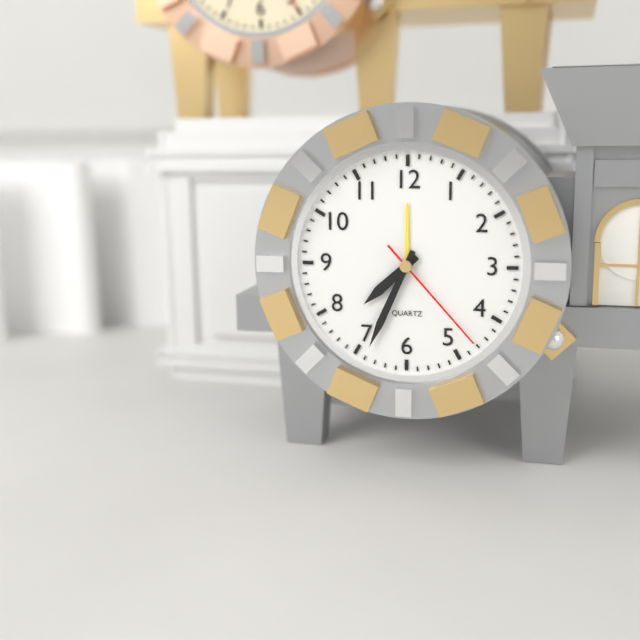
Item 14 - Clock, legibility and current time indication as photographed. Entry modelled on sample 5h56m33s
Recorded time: 7h34m23s
